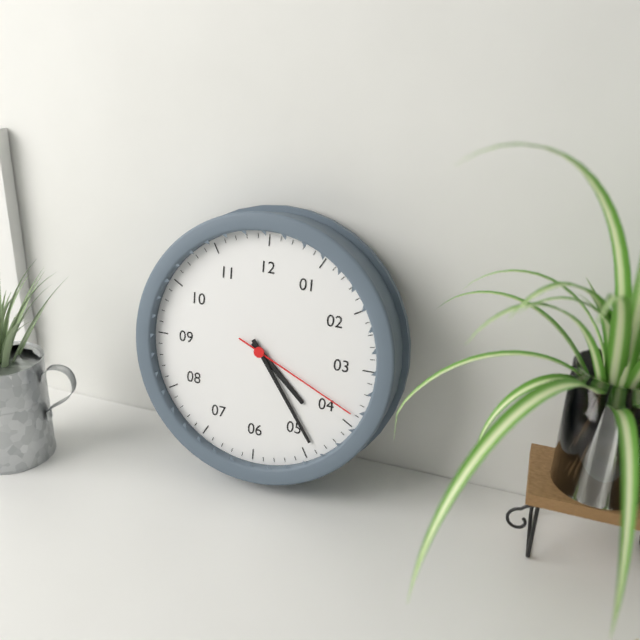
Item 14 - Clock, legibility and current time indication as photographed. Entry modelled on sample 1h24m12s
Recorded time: 4h24m19s
